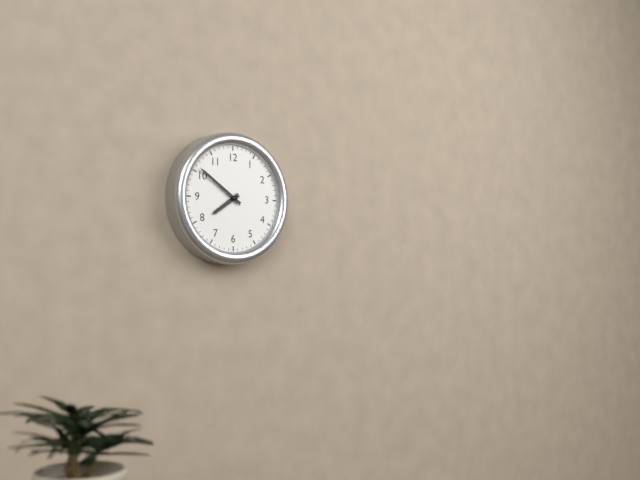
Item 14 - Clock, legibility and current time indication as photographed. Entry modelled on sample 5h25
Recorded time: 7h51
